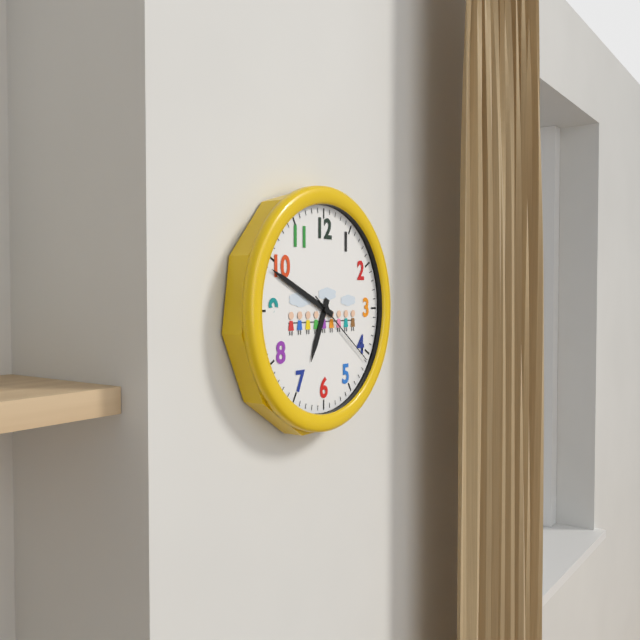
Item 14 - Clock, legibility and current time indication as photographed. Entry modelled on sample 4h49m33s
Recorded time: 6h49m21s
